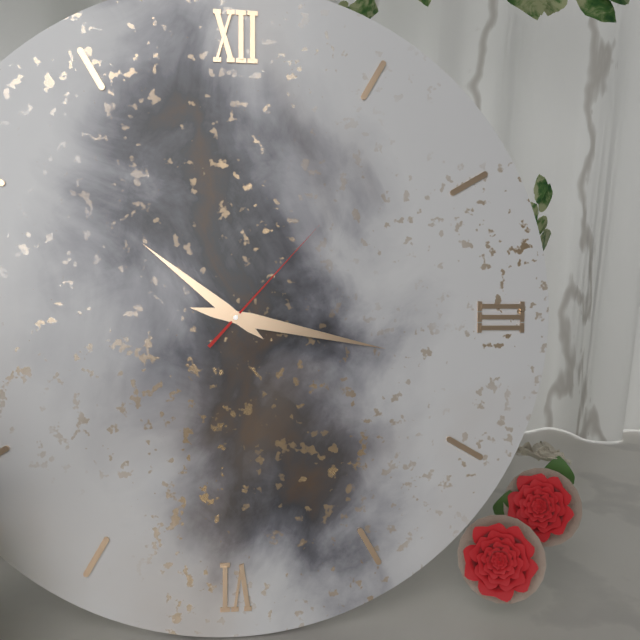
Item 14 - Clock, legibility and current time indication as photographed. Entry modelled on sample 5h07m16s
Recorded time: 10h17m07s
